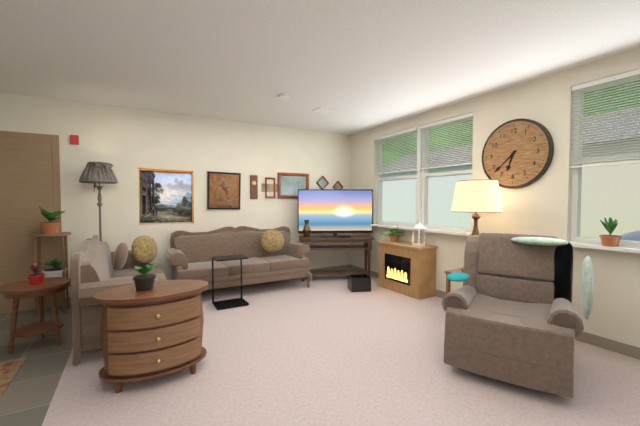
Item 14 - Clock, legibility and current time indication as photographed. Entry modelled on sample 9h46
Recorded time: 6h38
